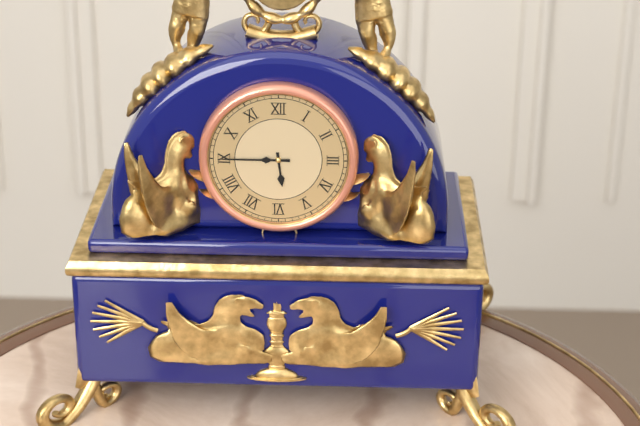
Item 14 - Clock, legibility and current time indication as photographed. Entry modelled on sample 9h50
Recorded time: 5h45
